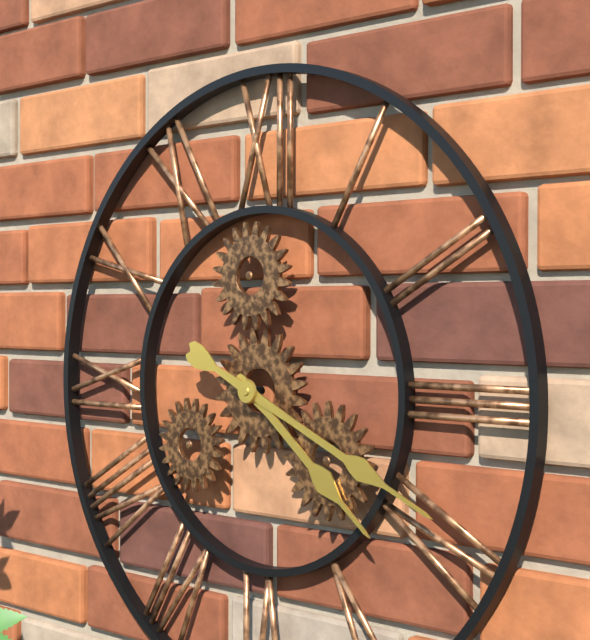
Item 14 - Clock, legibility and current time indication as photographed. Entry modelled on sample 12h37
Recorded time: 4h19
